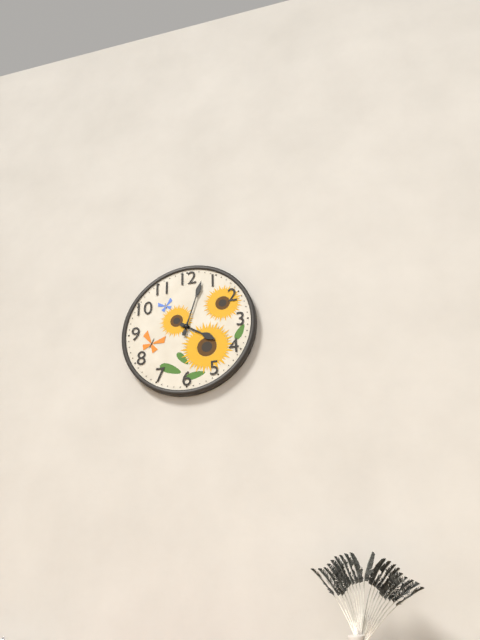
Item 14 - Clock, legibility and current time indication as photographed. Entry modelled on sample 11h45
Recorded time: 4h03
